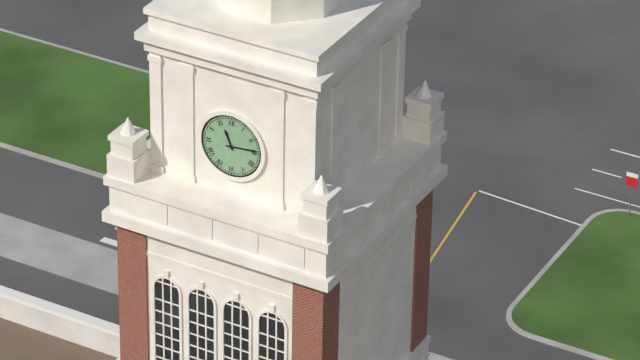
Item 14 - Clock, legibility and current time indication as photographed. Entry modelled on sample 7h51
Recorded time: 11h14
